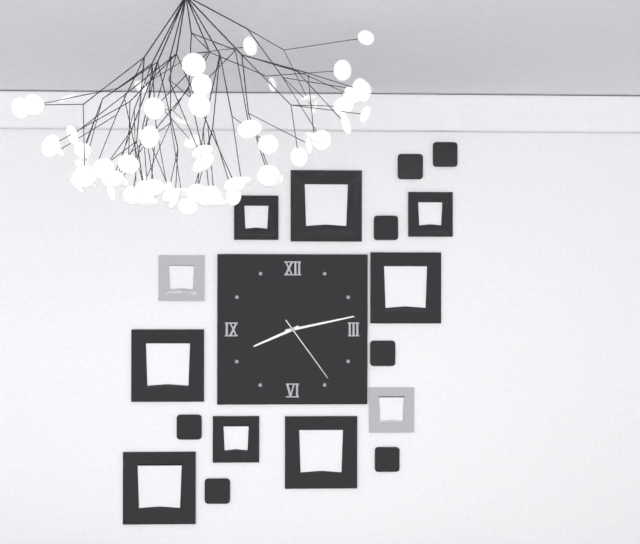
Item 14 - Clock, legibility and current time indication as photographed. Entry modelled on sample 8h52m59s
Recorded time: 8h13m24s
